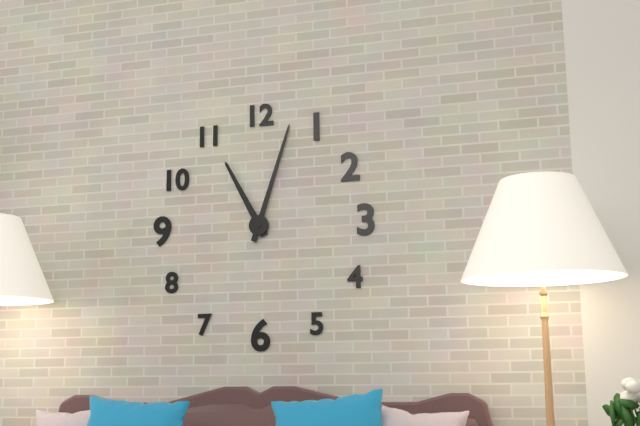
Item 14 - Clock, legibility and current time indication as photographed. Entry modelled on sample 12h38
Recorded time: 11h03
